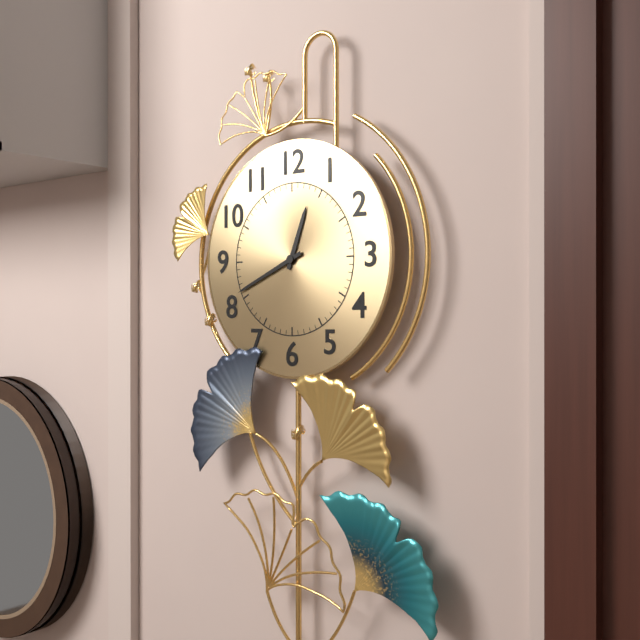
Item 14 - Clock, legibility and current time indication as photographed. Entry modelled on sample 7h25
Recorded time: 12h41
